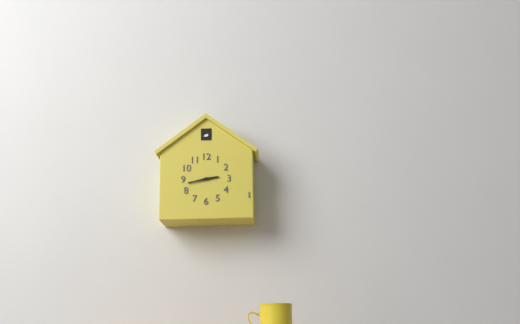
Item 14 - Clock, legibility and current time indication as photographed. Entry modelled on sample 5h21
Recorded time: 2h43
